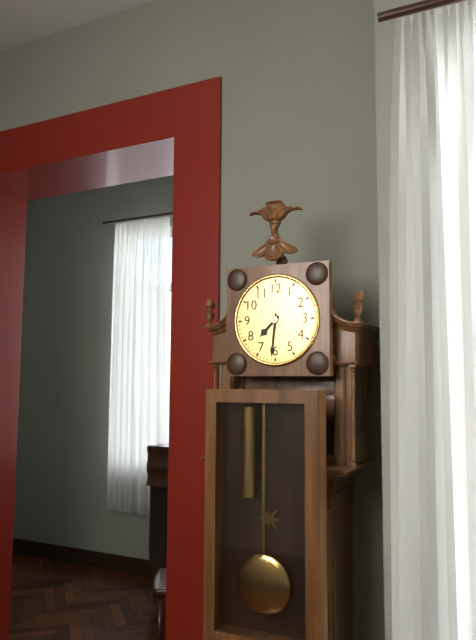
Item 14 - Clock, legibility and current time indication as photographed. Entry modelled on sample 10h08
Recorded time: 7h31
